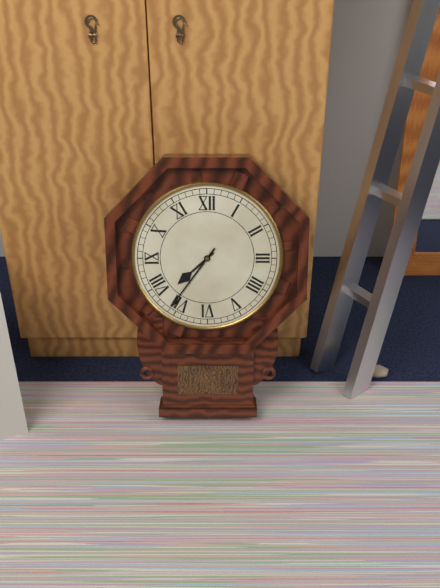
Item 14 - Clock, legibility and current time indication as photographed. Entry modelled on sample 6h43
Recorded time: 7h36
